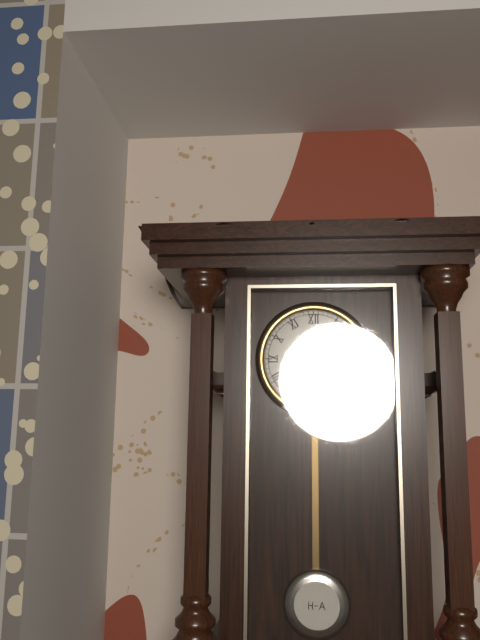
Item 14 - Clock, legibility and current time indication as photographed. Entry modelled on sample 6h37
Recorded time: 1h28
